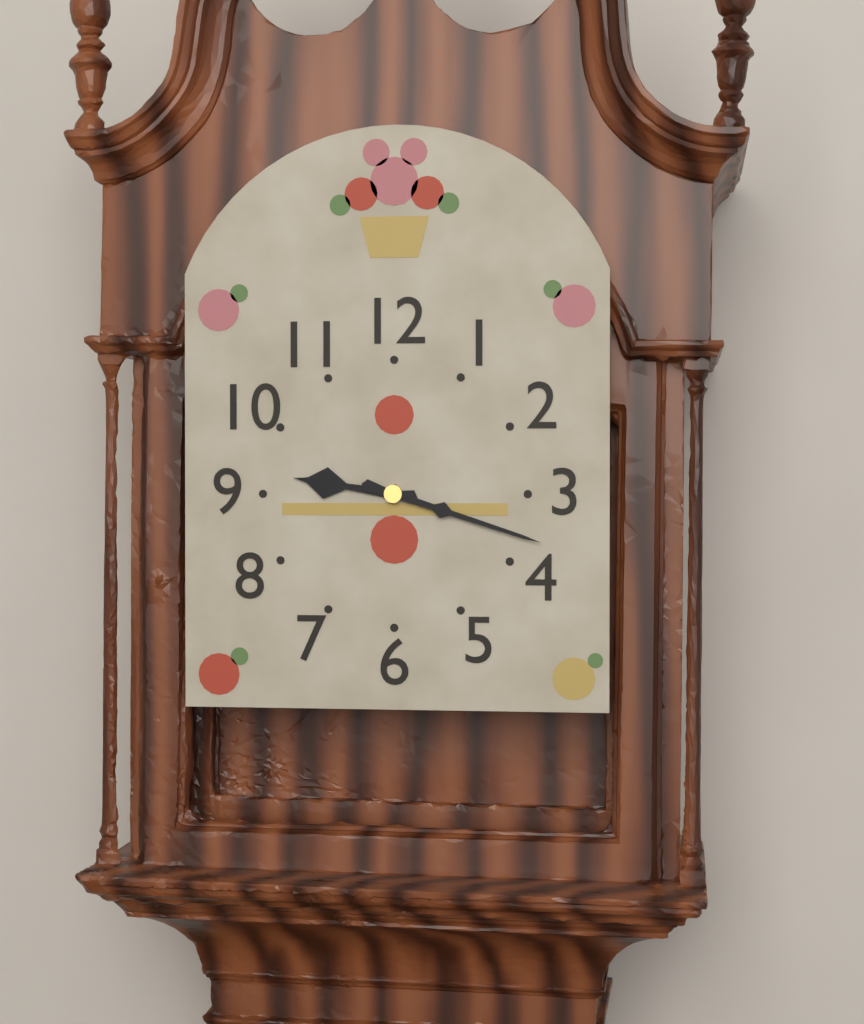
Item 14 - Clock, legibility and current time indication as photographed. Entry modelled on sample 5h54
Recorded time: 9h18
